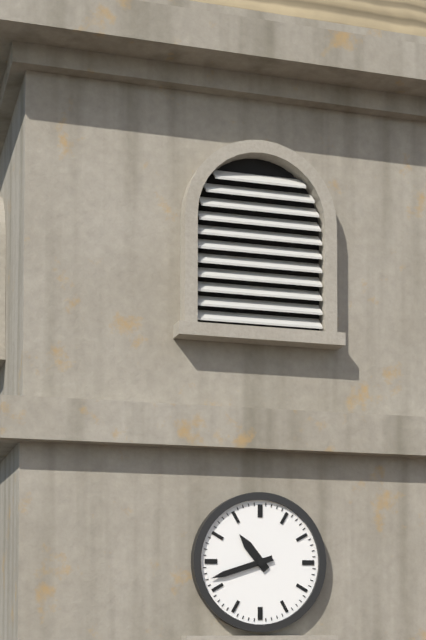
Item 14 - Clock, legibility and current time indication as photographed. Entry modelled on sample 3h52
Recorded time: 10h42
